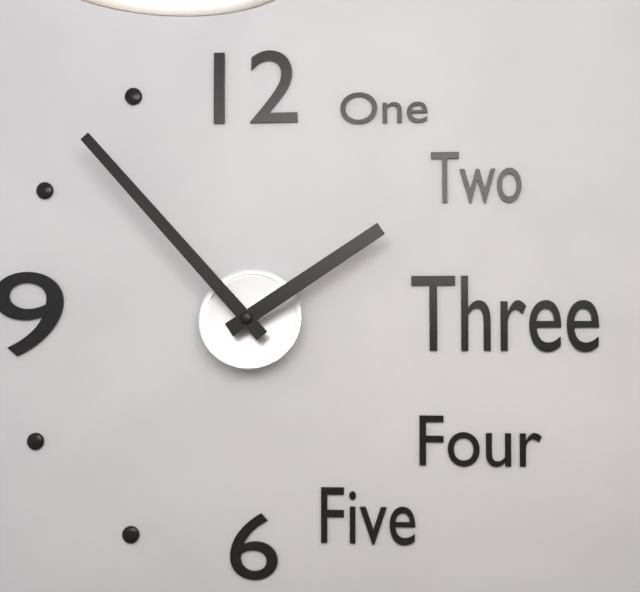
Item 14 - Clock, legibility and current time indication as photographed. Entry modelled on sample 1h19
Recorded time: 1h53
